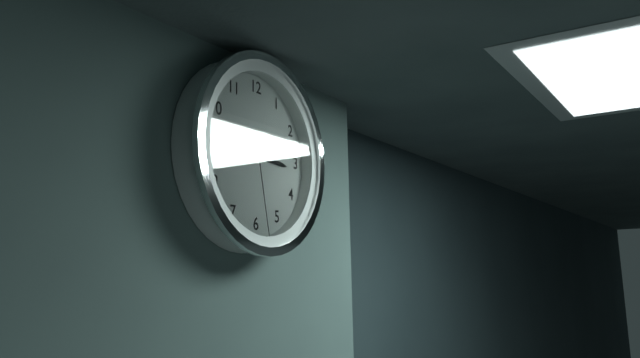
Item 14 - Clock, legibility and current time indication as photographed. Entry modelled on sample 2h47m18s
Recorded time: 3h13m28s
